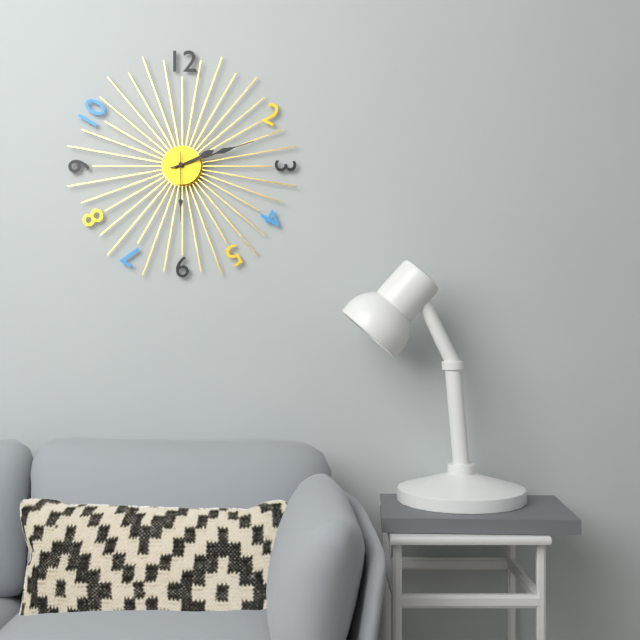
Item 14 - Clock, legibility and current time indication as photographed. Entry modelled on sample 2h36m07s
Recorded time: 2h12m30s
